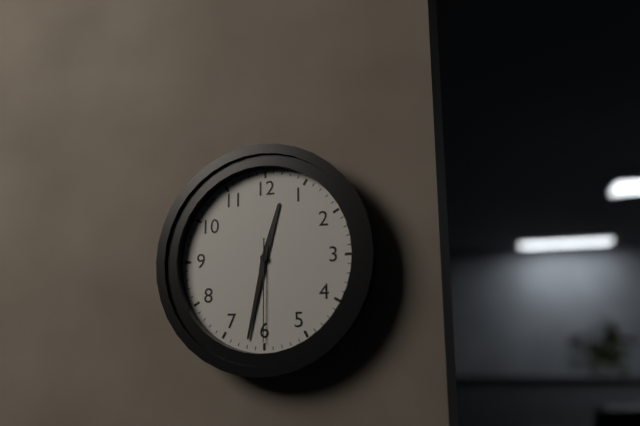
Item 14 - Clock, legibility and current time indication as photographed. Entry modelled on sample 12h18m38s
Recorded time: 12h32m30s
